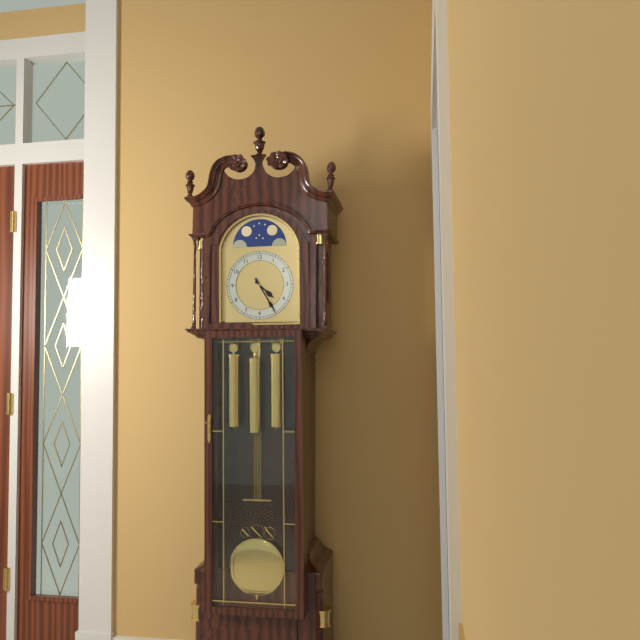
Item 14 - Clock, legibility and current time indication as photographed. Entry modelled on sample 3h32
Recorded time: 4h25
